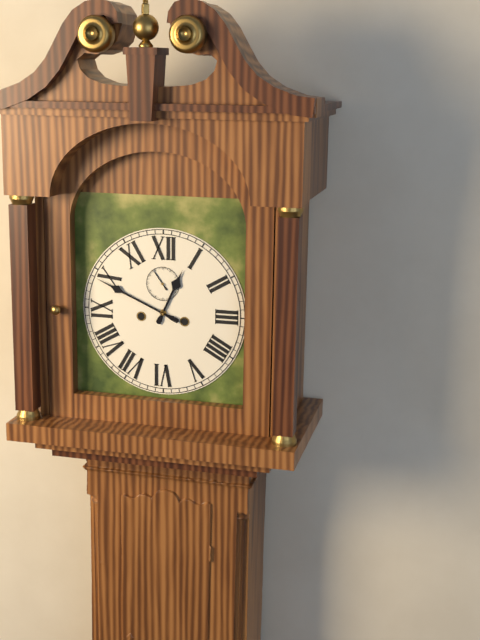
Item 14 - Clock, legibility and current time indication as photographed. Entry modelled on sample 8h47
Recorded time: 12h49
